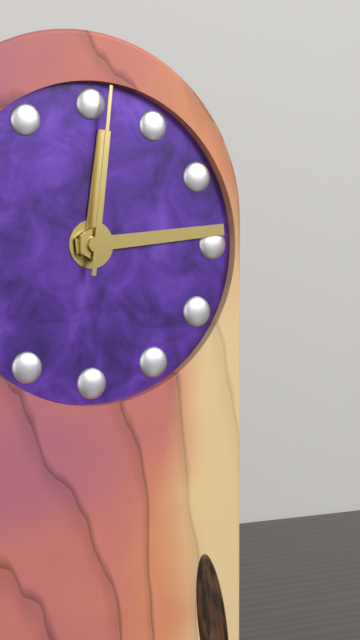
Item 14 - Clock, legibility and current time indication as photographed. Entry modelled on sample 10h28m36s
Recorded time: 12h14m01s
